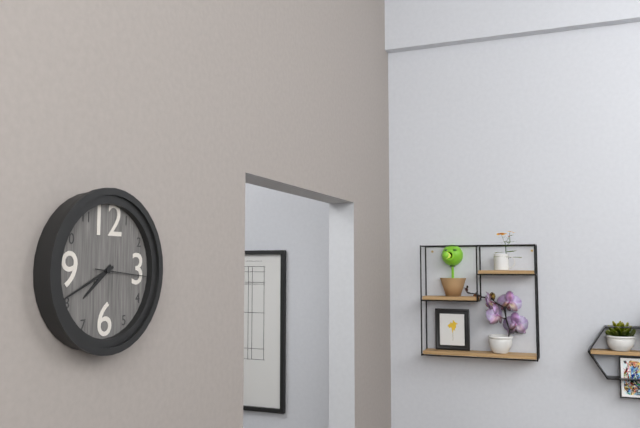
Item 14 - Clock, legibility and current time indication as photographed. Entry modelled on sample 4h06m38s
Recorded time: 7h41m16s
